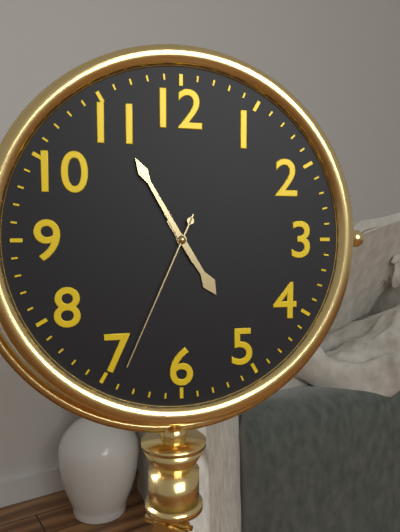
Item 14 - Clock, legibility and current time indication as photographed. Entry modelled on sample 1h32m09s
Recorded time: 4h55m34s
